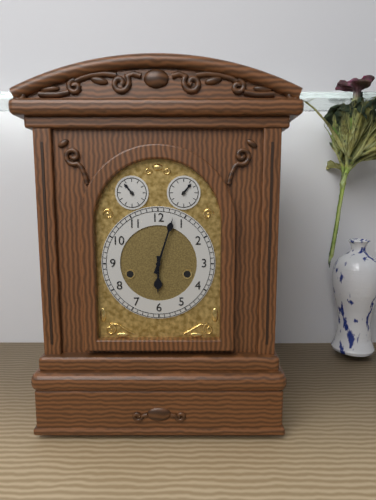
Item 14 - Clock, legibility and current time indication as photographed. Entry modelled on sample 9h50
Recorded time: 6h03
